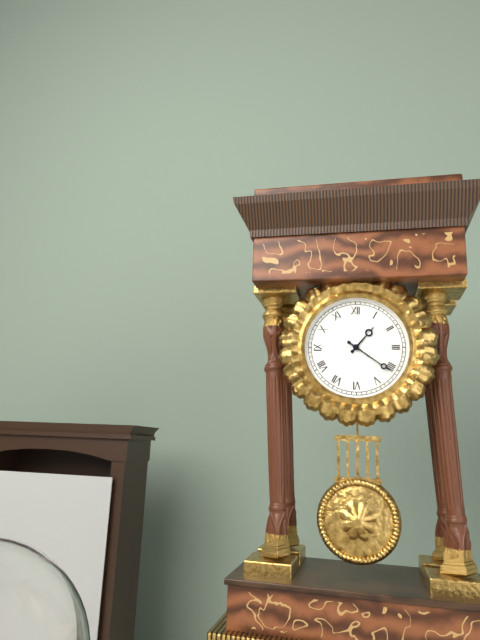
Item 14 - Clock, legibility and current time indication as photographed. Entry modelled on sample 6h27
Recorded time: 1h21
